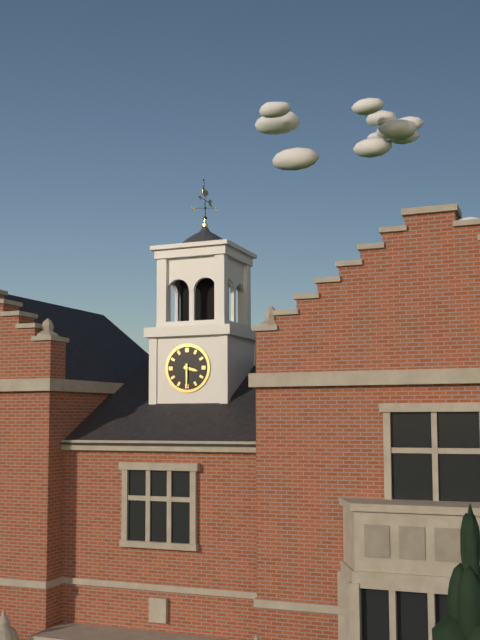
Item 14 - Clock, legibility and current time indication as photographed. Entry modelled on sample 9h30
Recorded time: 3h30
